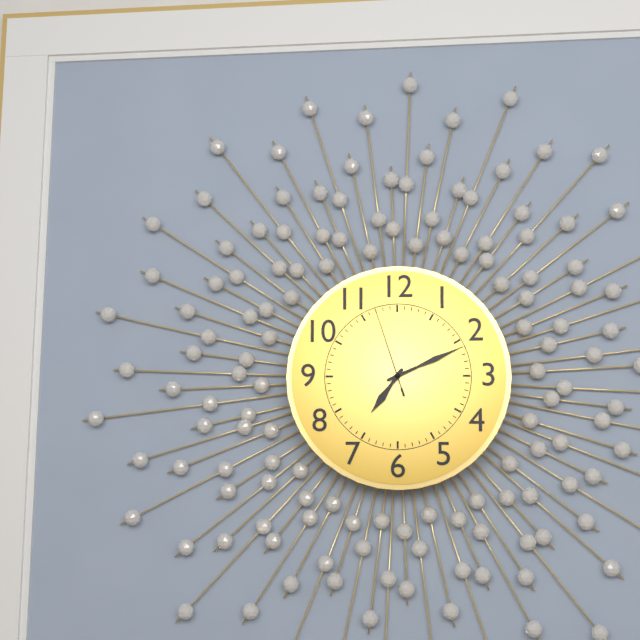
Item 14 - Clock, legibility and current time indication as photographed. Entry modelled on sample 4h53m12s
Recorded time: 7h11m57s
